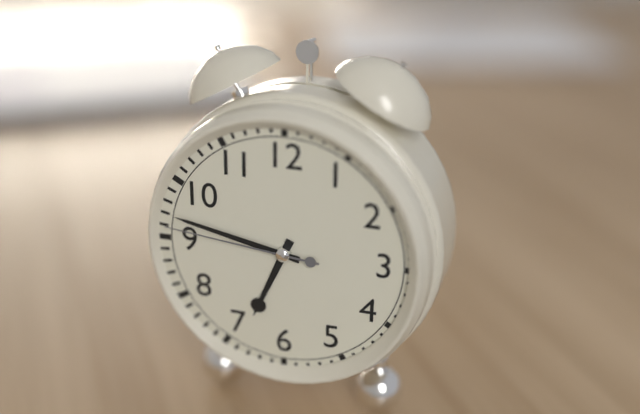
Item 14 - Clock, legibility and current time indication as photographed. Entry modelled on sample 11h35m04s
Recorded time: 6h47m46s
